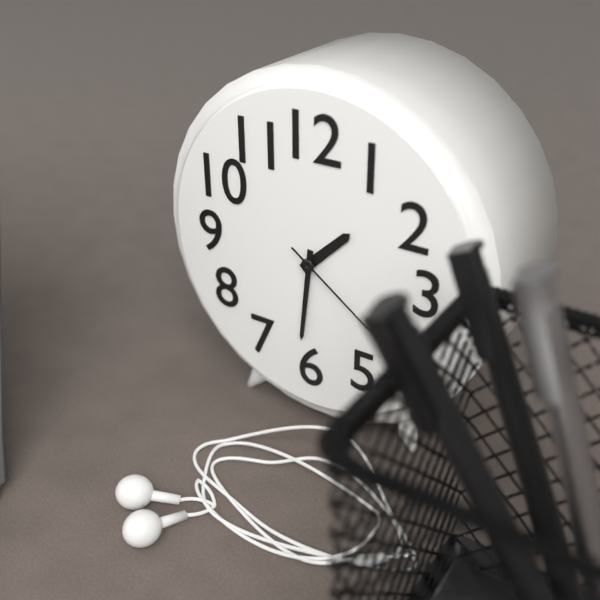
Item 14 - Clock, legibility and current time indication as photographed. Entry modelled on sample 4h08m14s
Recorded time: 1h31m21s
